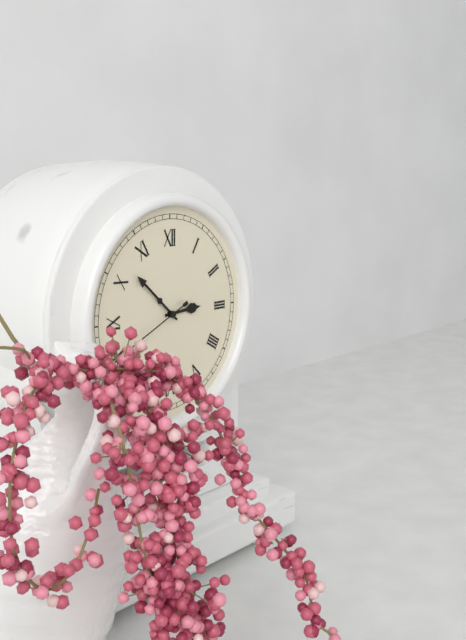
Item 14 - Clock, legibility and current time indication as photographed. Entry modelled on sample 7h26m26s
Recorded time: 2h52m41s
